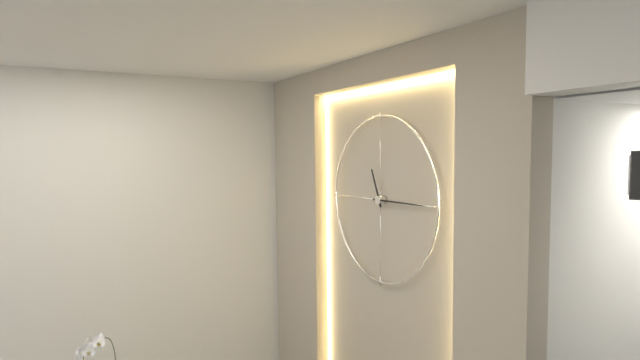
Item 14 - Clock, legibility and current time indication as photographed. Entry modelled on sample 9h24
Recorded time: 11h15
